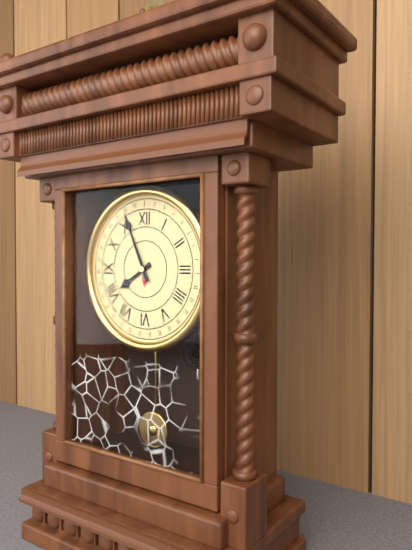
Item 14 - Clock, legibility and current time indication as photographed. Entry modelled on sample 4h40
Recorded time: 7h56
